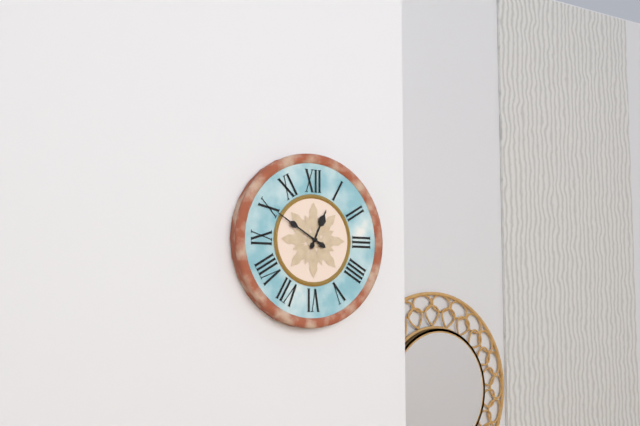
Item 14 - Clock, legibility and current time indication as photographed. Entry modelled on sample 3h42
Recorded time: 12h50
